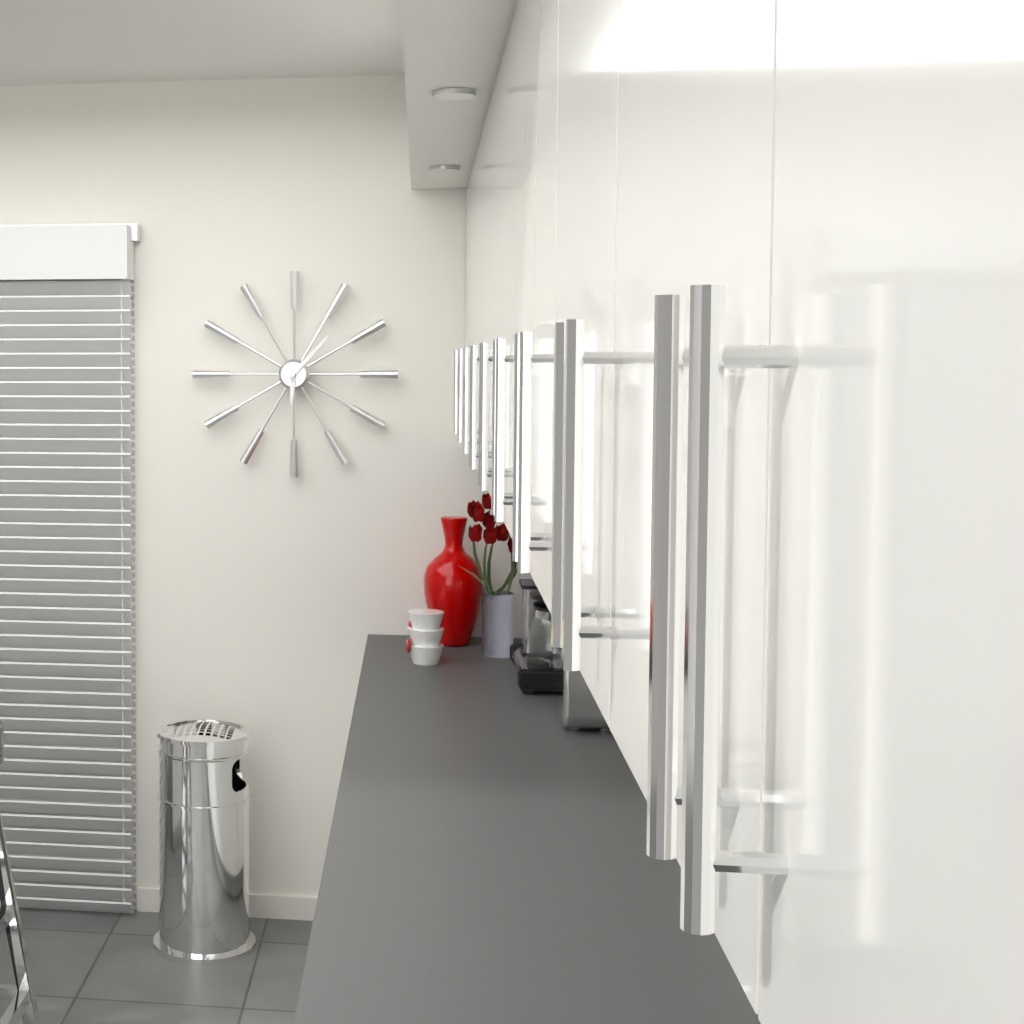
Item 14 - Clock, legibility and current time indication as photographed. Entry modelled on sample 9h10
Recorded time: 6h07
